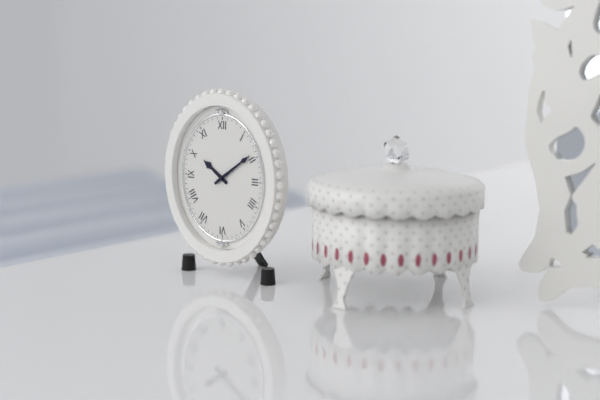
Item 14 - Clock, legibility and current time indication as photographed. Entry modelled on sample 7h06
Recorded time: 10h09
